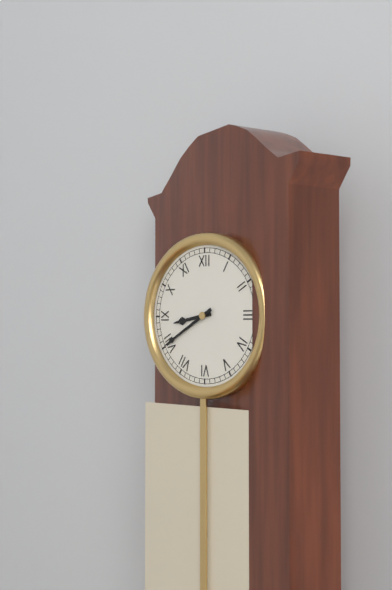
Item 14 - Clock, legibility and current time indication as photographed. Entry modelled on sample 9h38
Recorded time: 8h40
